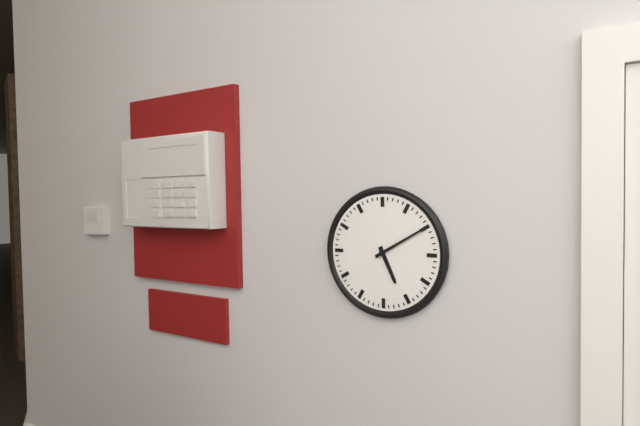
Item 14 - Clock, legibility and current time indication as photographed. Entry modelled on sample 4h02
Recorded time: 5h10
